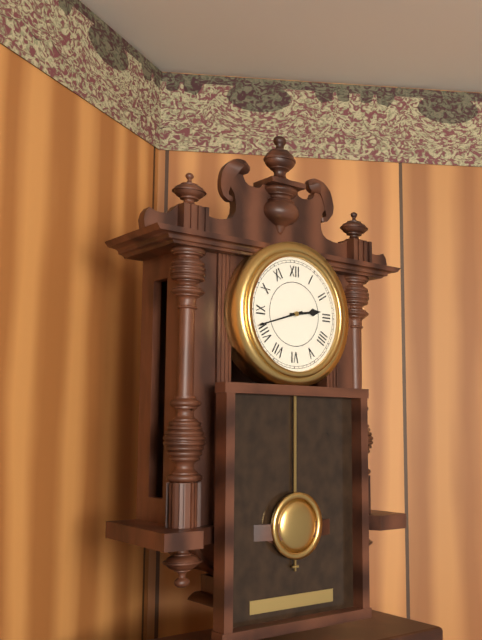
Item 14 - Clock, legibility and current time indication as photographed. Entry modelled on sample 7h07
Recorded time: 2h42
